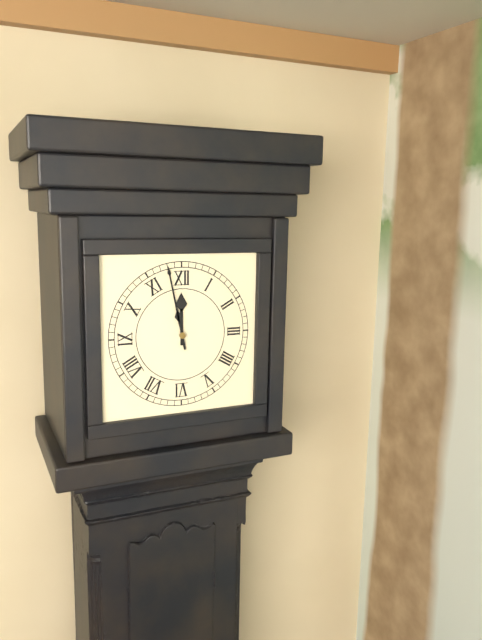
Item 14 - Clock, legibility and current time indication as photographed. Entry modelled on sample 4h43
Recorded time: 11h58
